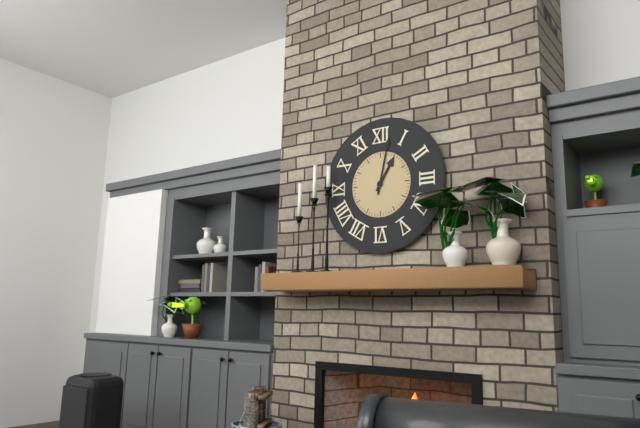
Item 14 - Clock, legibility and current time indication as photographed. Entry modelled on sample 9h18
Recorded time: 1h02
